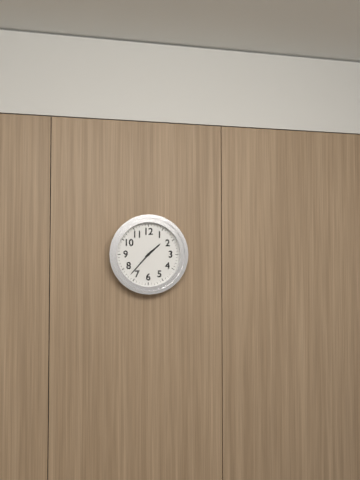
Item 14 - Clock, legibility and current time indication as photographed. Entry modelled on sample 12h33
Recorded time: 1h37
